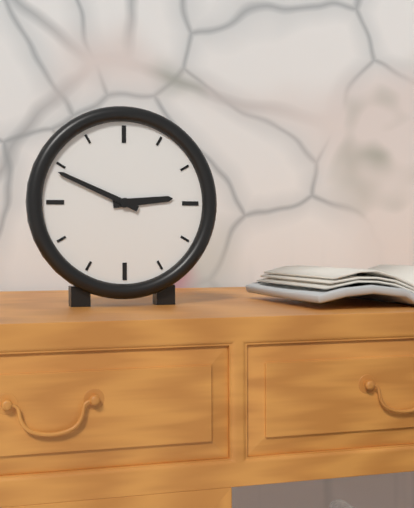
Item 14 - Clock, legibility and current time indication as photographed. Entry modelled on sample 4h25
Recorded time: 2h49
